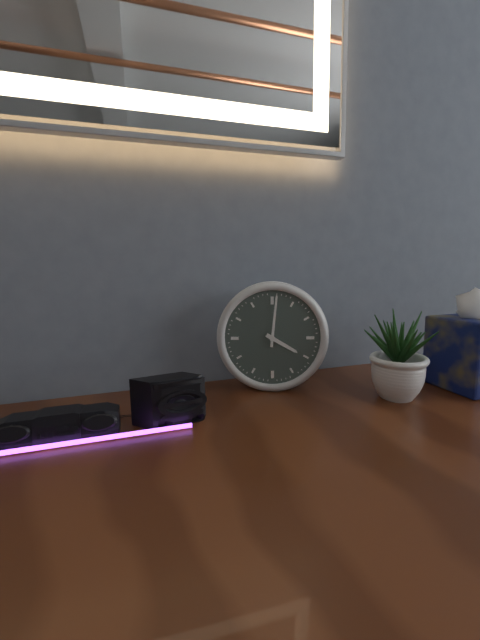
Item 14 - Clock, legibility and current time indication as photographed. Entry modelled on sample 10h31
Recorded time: 4h01
